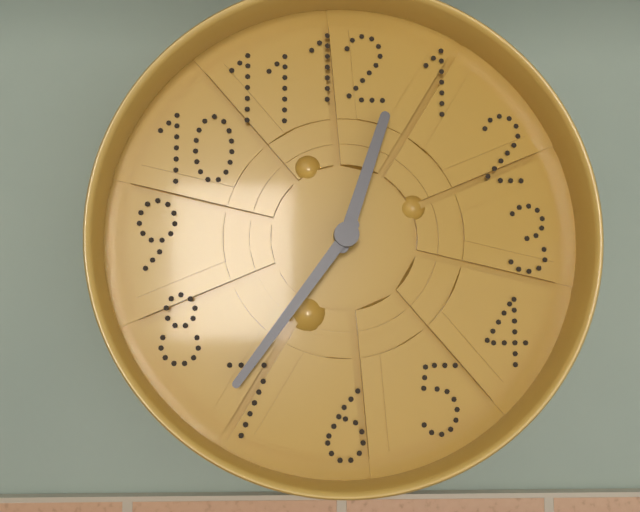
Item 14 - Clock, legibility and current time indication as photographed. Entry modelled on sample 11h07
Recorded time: 12h36
